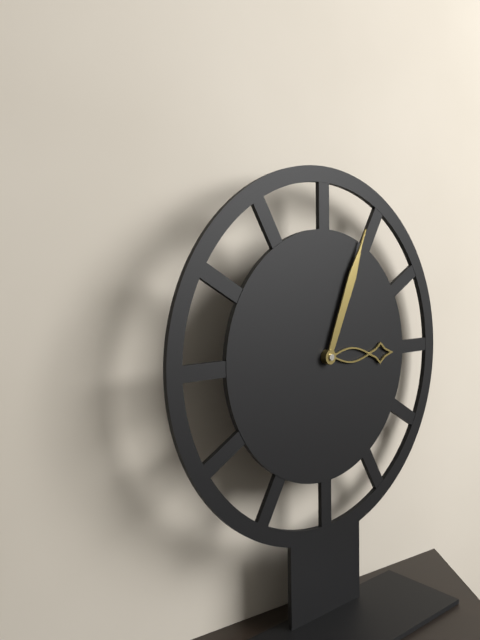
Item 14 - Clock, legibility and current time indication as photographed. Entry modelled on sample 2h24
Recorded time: 3h04
